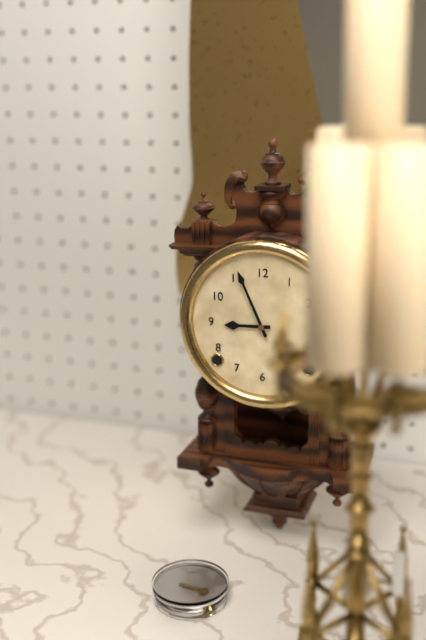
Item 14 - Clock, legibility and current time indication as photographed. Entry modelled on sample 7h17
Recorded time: 8h56
